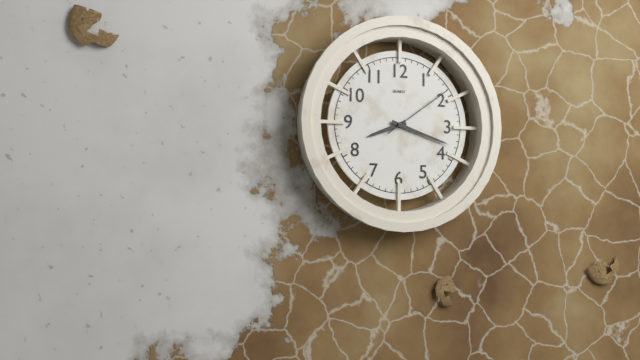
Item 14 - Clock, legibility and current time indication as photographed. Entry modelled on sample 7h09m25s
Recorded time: 8h18m09s
